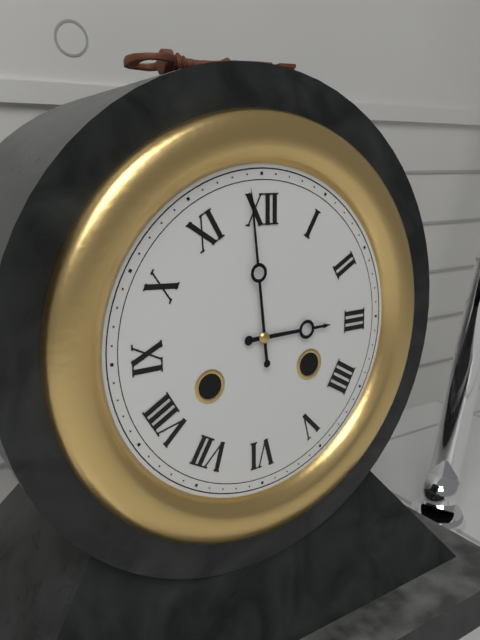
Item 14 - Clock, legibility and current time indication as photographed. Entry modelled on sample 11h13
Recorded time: 2h59
